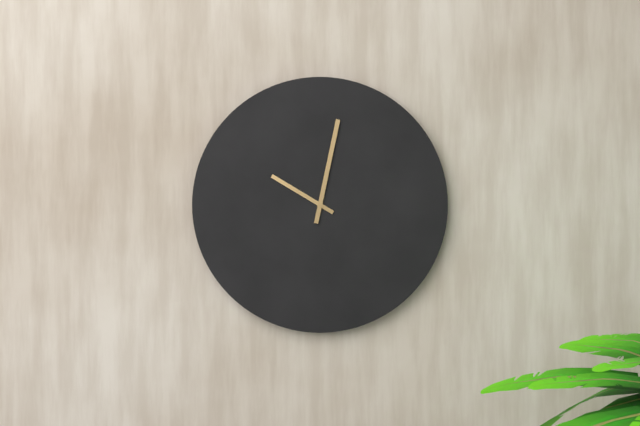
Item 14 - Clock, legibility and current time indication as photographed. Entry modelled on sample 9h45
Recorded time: 10h02
